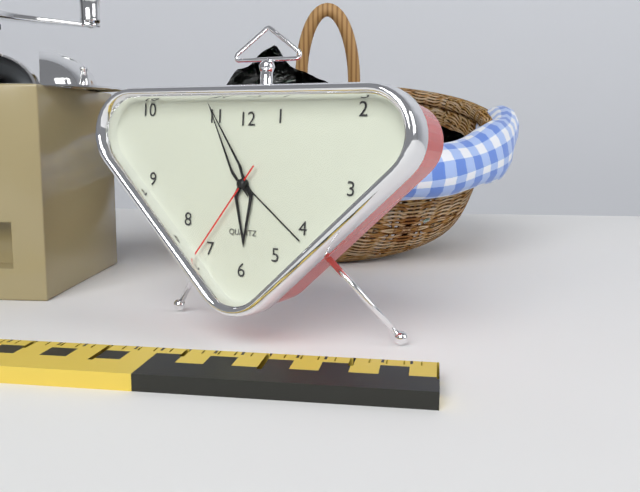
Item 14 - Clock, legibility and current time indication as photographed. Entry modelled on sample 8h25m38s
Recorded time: 5h55m36s
